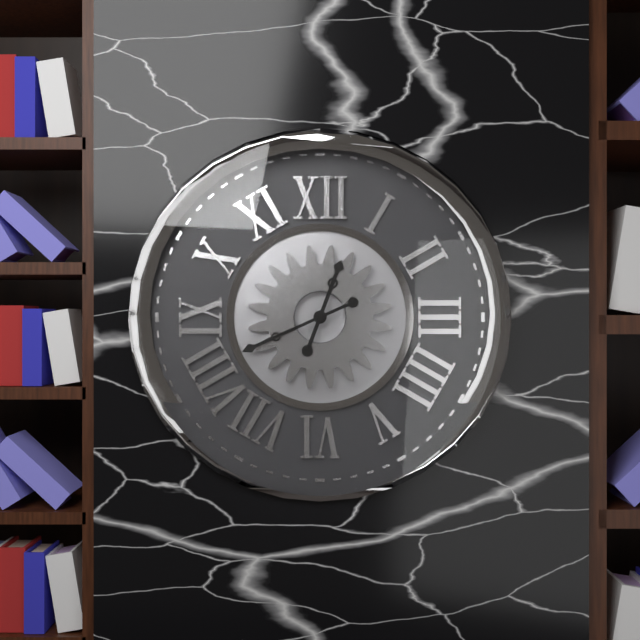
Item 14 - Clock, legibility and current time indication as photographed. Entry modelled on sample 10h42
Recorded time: 12h41
